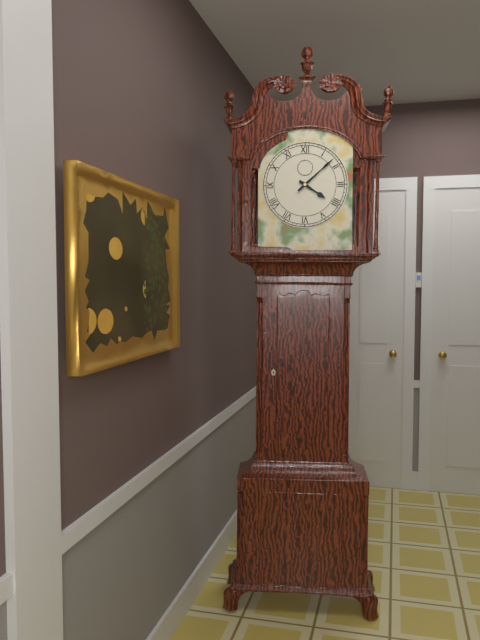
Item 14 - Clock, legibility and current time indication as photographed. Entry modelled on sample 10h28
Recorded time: 4h08
